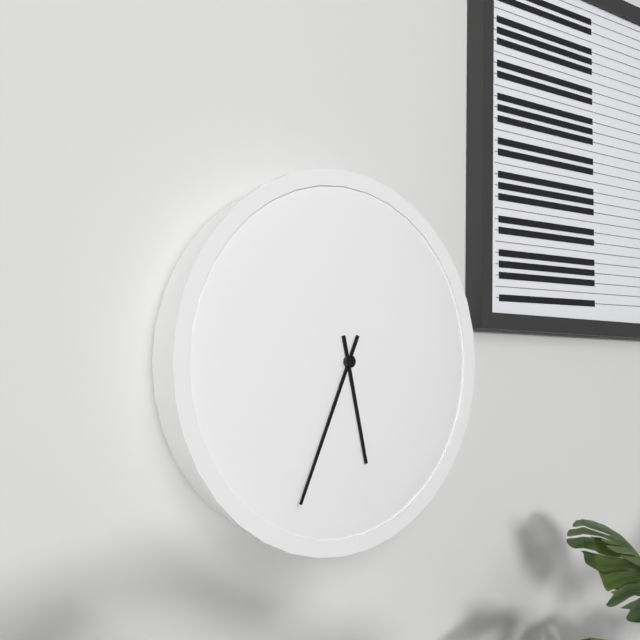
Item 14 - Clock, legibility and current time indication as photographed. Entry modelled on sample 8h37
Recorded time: 5h34
